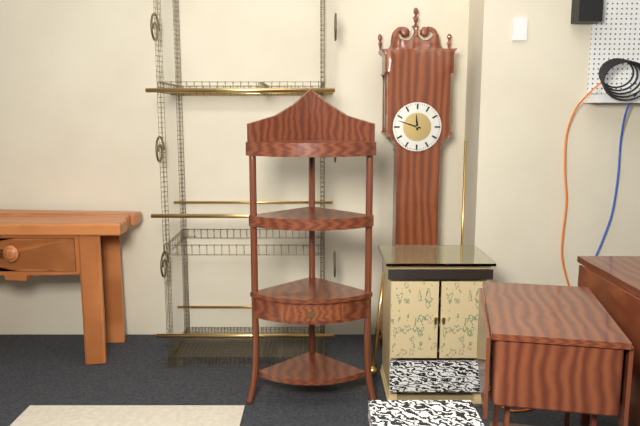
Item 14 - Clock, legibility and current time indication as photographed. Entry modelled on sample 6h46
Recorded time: 11h48
